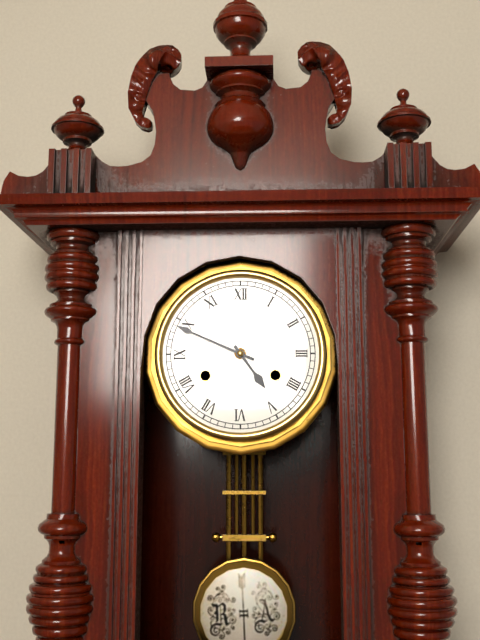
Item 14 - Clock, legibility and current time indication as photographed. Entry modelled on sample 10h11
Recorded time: 4h49
